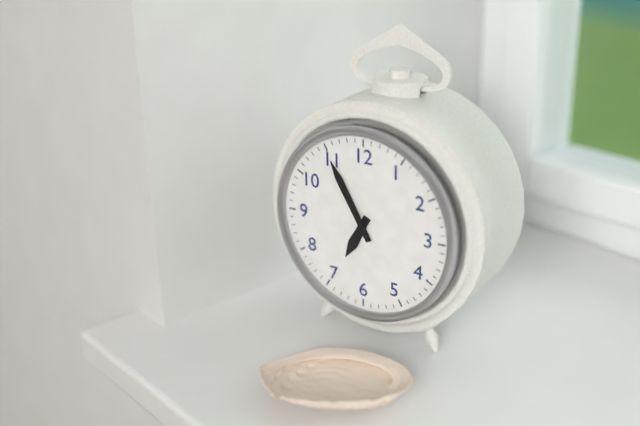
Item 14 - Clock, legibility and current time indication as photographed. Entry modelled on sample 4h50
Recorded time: 6h55
